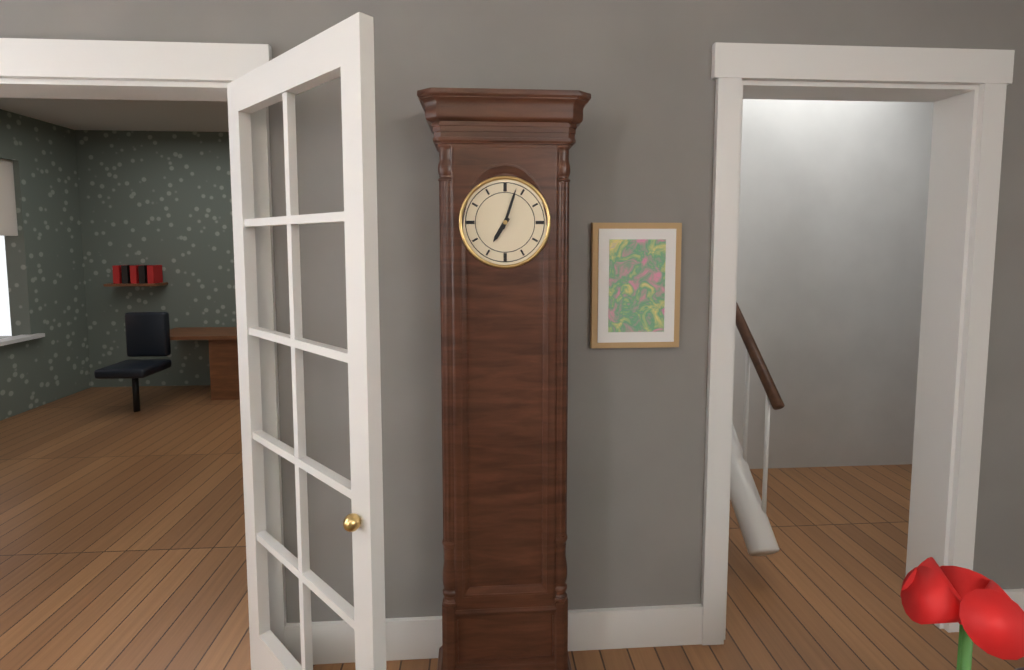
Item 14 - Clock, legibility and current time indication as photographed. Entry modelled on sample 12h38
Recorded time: 7h03
